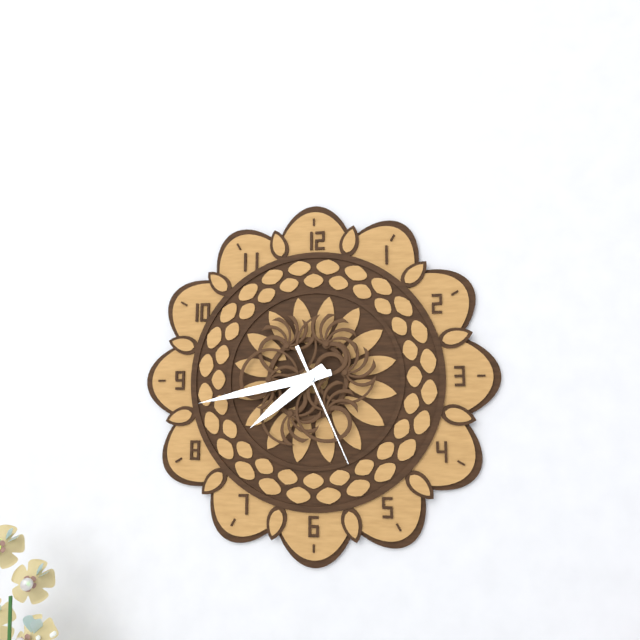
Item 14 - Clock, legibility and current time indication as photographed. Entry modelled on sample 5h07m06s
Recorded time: 7h43m26s
